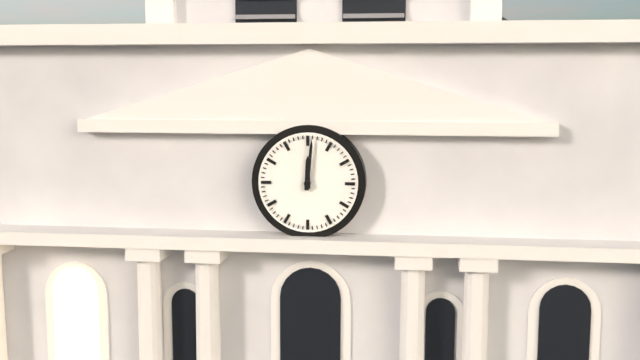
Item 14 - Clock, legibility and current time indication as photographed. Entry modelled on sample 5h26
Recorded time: 12h01
